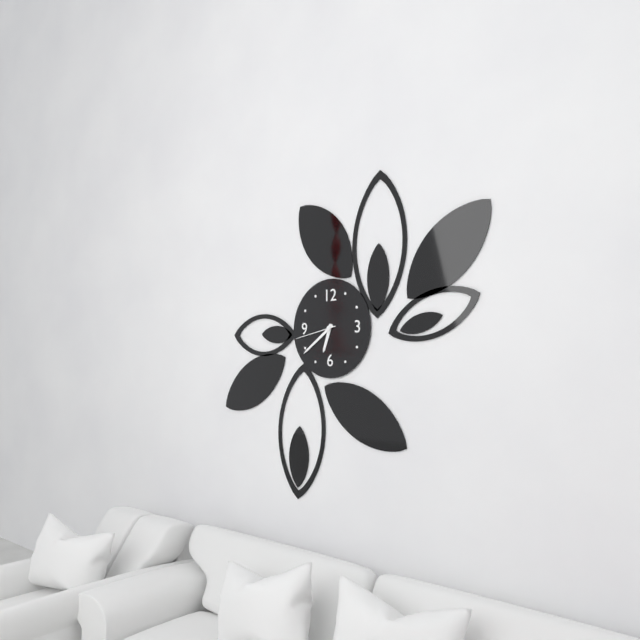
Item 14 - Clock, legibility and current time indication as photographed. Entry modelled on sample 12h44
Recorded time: 6h39
